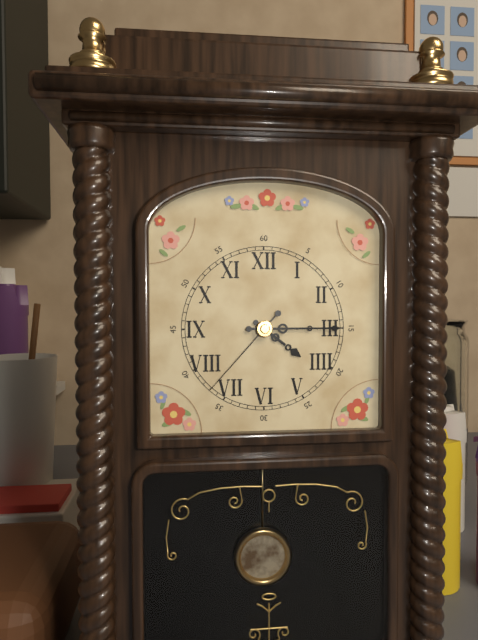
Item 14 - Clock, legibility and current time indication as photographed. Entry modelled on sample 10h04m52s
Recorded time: 4h15m37s
